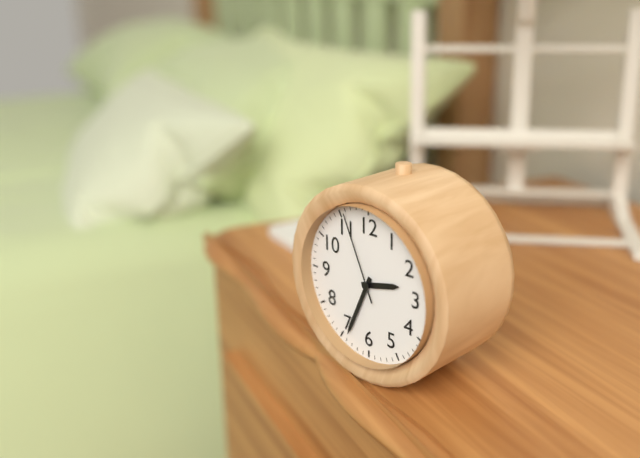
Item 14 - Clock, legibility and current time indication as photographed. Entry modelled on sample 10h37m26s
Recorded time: 2h34m56s
